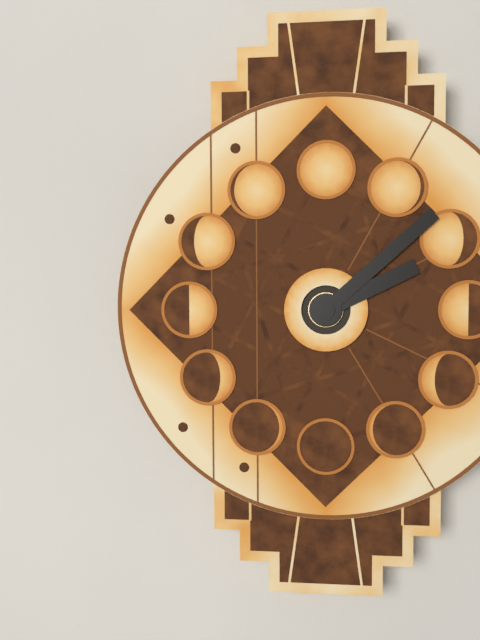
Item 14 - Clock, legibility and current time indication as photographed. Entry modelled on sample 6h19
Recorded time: 2h08
